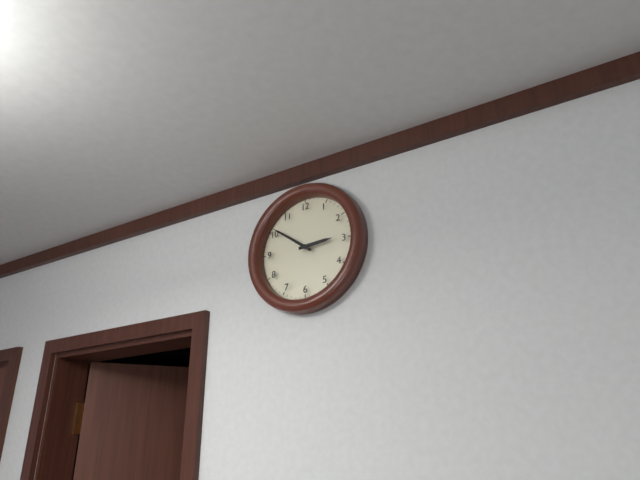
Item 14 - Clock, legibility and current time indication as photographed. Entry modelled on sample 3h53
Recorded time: 2h51
